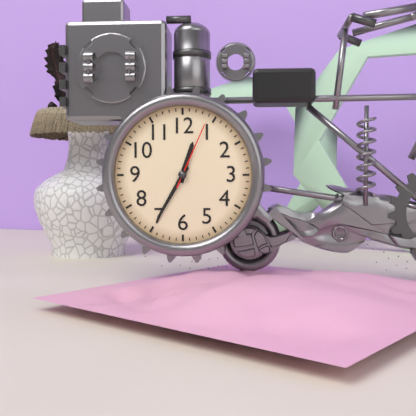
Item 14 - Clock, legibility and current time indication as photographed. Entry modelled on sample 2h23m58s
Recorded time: 12h35m04s
